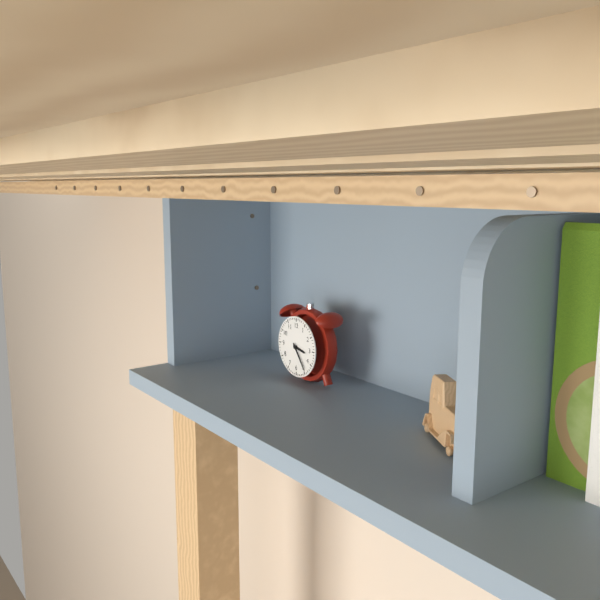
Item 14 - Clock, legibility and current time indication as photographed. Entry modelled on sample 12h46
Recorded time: 3h24
